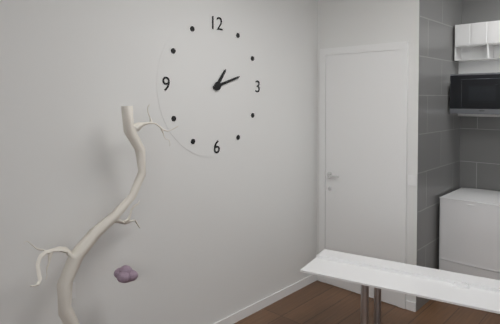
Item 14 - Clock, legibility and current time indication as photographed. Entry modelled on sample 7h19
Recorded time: 1h12
